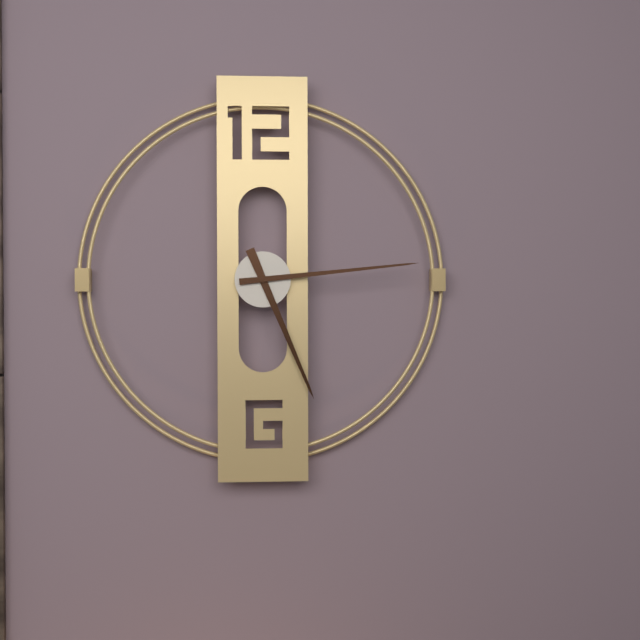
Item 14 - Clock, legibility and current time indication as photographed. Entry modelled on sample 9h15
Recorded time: 5h14
